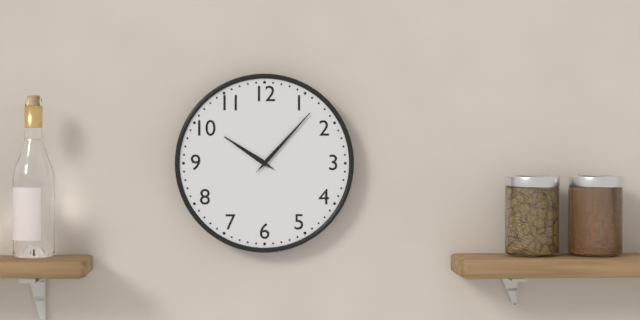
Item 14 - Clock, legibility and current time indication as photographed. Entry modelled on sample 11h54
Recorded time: 10h07
